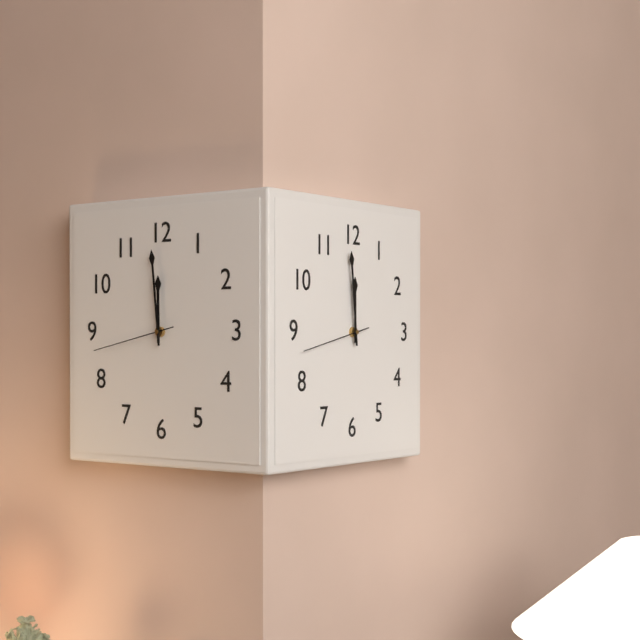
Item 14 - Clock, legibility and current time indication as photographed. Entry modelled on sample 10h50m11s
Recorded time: 11h59m43s
